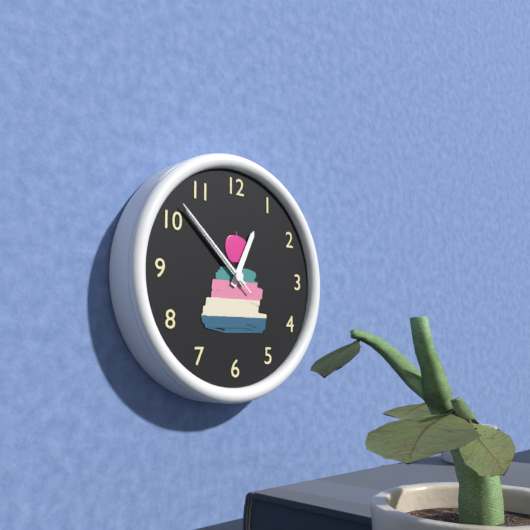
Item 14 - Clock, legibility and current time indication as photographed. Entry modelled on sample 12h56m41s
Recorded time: 12h52m52s
